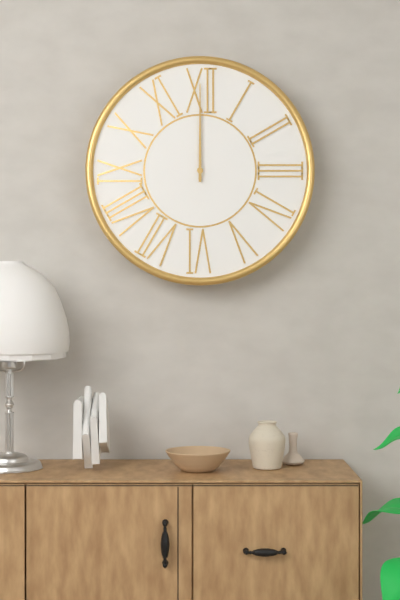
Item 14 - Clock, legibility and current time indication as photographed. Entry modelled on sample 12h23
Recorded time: 12h00
